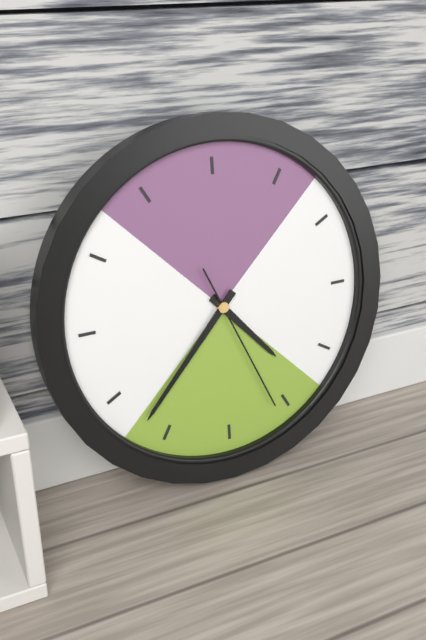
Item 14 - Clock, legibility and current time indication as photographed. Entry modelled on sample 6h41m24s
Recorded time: 4h37m26s
